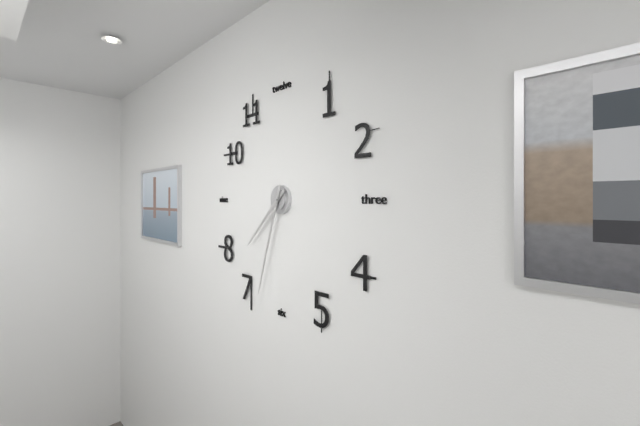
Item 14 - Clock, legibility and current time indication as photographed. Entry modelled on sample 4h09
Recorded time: 7h33
